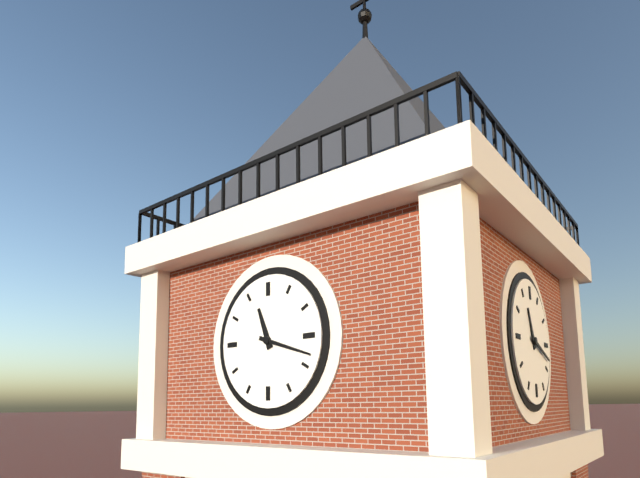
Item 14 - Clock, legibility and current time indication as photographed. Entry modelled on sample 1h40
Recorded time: 11h18
